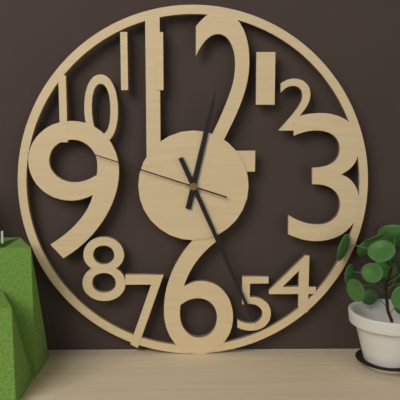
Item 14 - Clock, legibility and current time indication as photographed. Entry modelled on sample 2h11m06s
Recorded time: 12h26m48s
